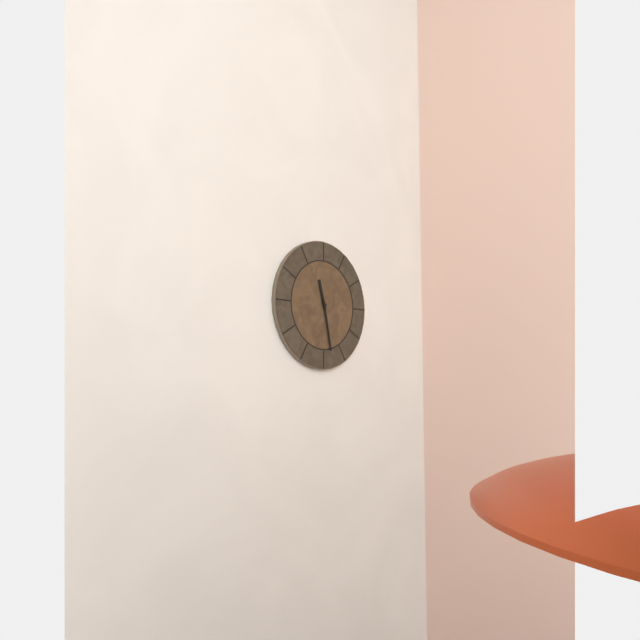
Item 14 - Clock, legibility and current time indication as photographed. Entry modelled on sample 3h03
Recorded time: 11h28
